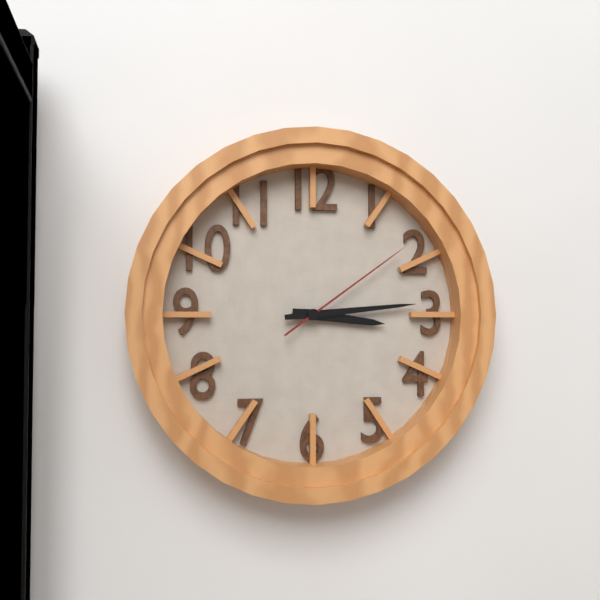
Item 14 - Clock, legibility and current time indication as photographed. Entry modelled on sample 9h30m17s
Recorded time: 3h14m09s
